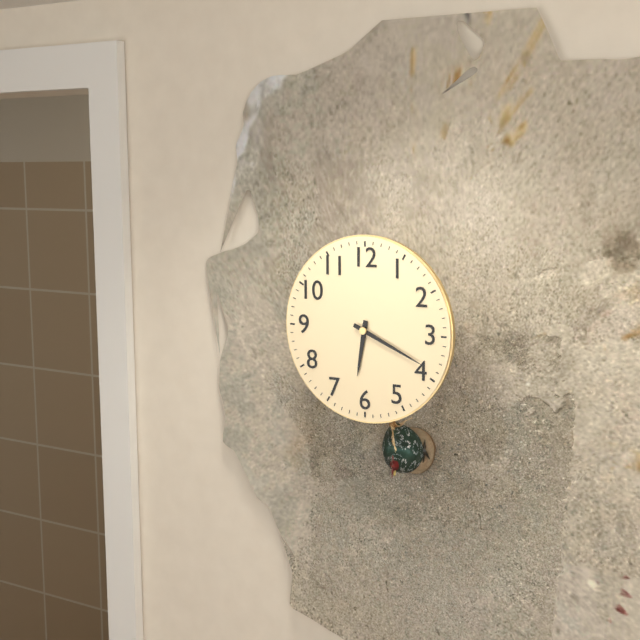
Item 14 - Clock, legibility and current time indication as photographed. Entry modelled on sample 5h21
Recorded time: 6h19
